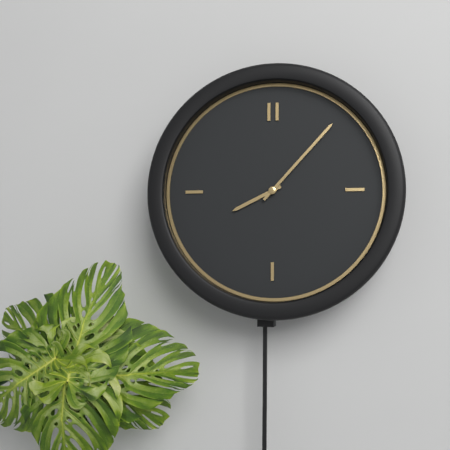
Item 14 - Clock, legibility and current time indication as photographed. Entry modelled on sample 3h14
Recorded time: 8h07
